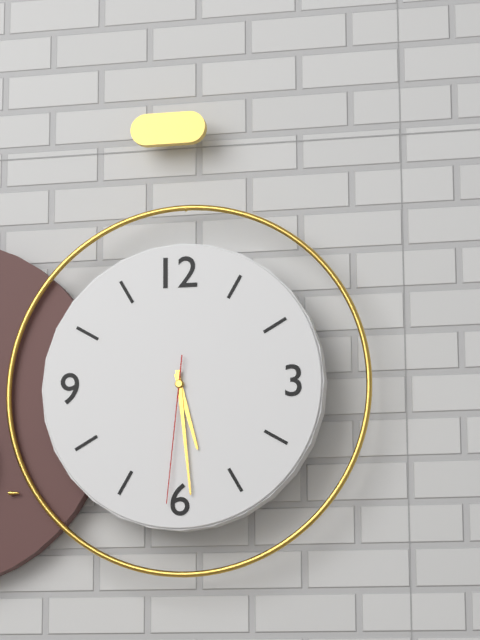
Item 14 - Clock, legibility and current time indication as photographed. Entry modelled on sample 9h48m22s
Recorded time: 5h29m31s
